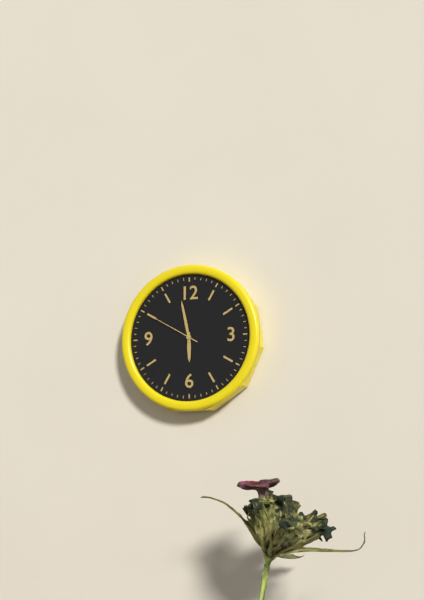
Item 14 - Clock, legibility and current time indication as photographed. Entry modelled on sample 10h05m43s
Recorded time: 5h58m50s
